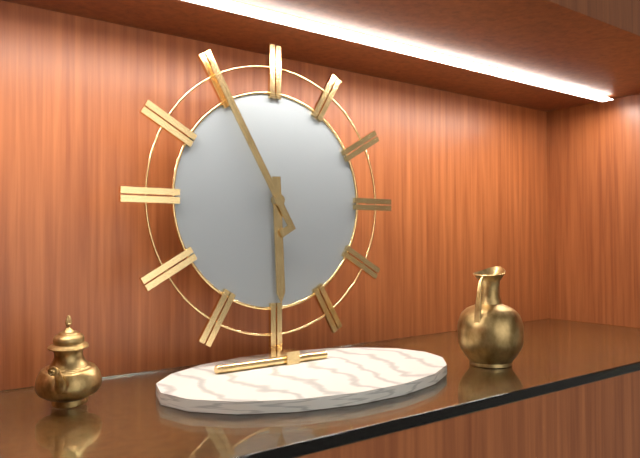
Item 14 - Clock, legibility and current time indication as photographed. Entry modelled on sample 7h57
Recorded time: 5h55
